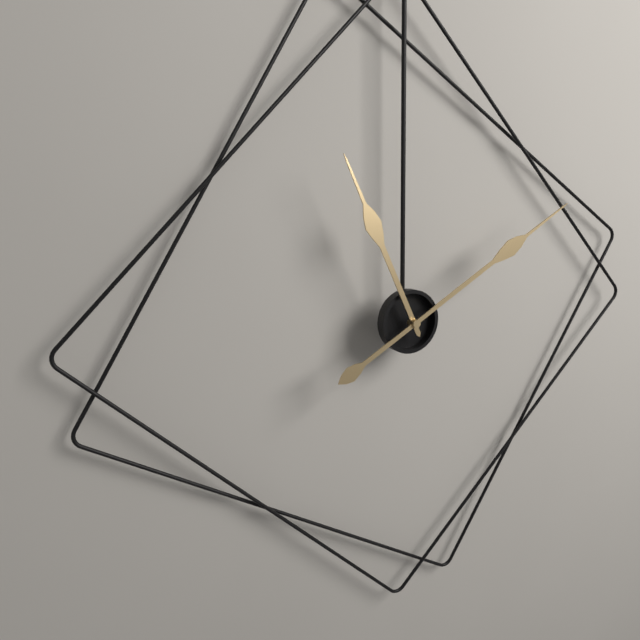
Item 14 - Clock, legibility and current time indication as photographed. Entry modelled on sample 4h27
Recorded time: 11h10
